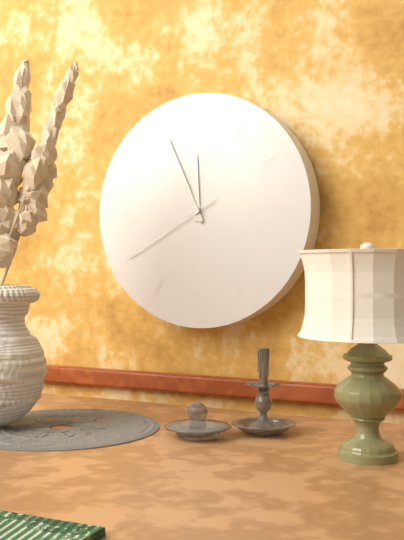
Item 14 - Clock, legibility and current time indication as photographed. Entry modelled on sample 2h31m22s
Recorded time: 11h56m40s
